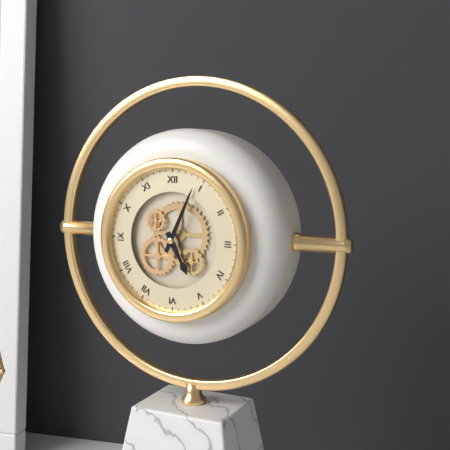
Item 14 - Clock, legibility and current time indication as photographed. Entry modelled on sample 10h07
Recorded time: 5h04
